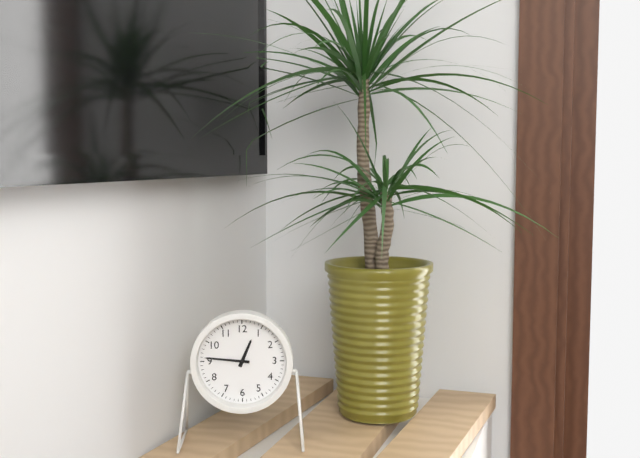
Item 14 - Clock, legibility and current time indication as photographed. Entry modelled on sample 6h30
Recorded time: 12h46
